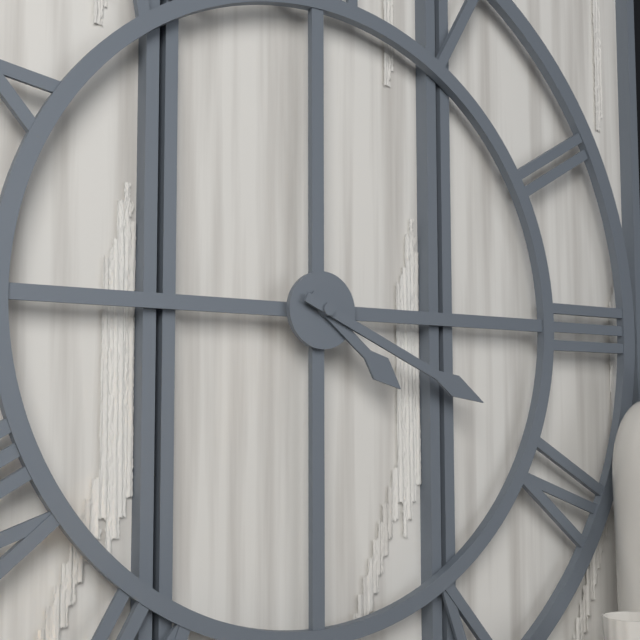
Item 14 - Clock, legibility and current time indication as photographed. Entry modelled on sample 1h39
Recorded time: 4h19
